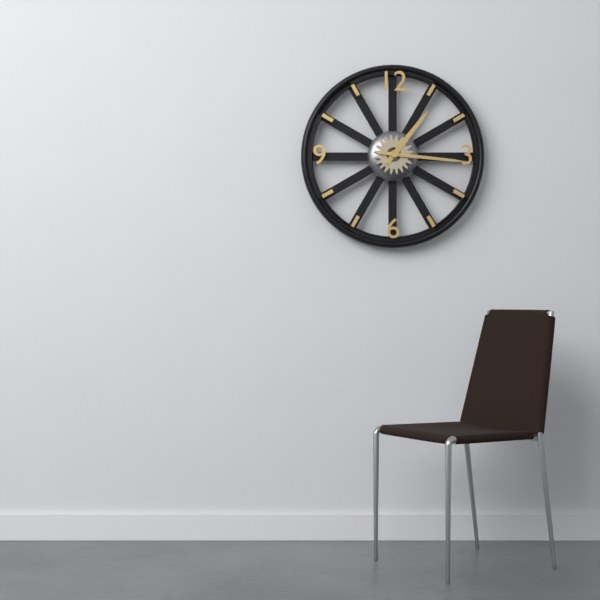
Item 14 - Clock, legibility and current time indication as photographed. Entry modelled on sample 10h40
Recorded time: 1h16
